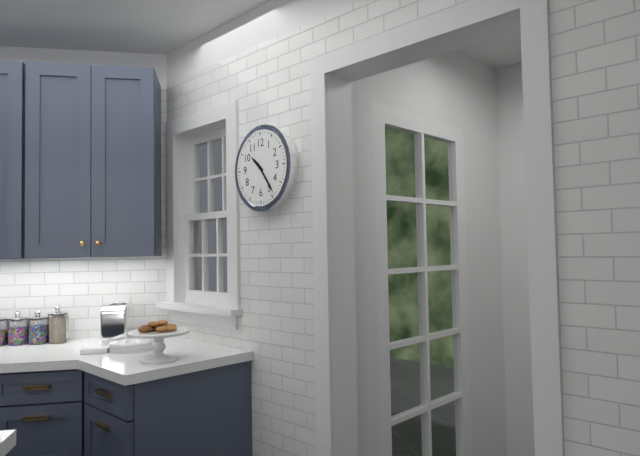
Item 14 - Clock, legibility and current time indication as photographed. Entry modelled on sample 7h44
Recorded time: 10h24
